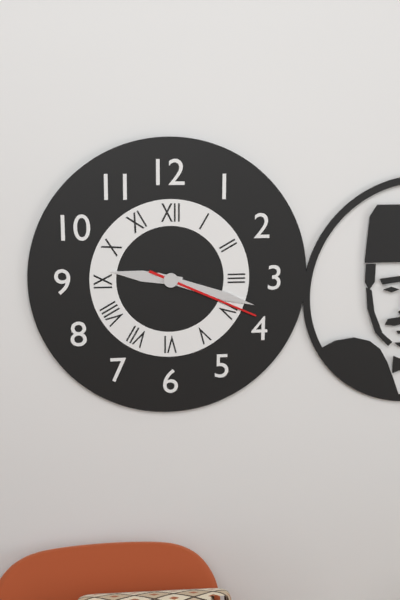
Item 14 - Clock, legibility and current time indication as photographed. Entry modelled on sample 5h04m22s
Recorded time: 9h18m19s
